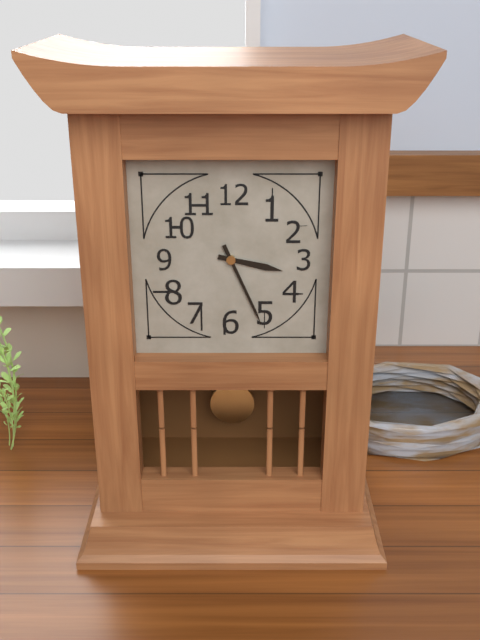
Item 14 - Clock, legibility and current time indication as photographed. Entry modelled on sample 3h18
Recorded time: 3h26
